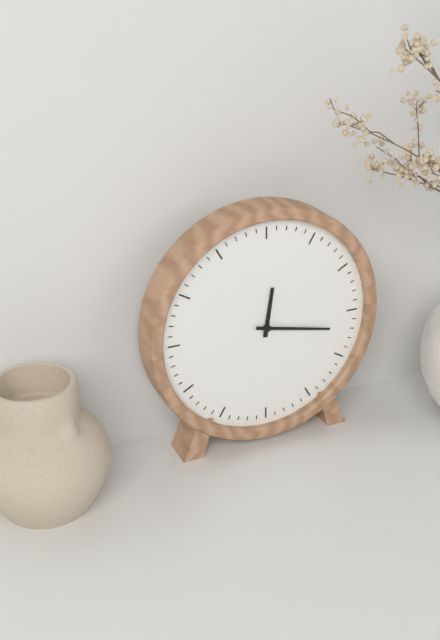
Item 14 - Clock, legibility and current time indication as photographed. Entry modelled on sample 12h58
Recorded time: 12h17
